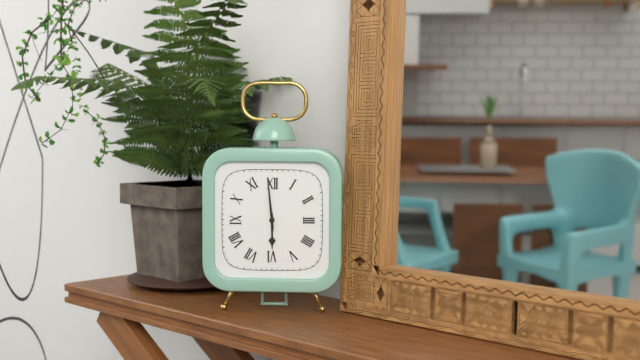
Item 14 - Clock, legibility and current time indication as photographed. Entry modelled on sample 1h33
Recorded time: 5h59
